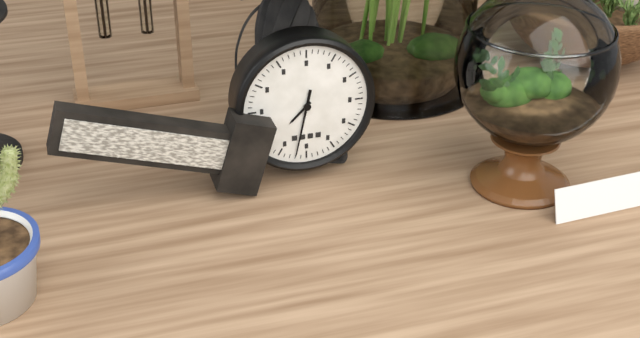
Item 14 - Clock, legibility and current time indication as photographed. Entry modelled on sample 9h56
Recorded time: 7h32
